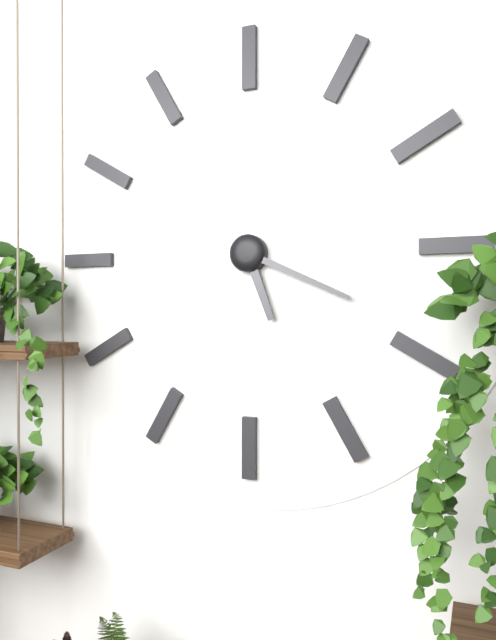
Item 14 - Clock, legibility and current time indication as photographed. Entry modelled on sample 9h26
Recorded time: 5h19
